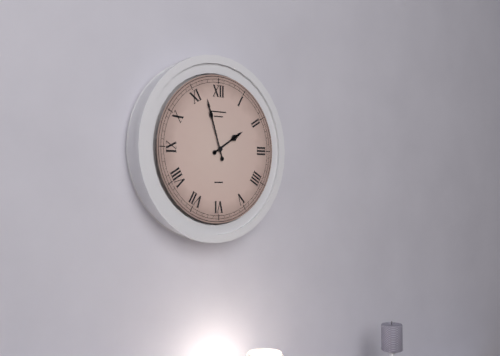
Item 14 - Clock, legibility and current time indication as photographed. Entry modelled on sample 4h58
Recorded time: 1h57
